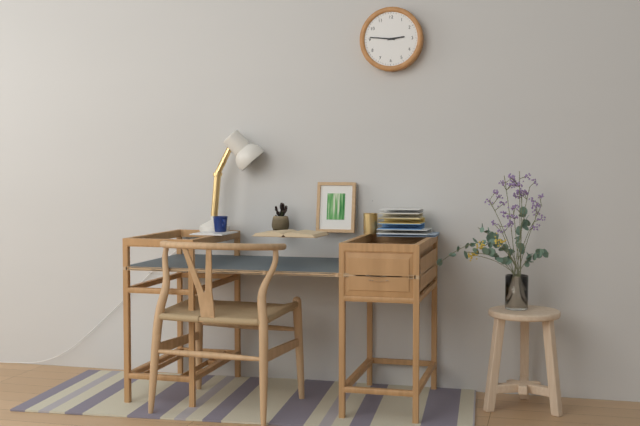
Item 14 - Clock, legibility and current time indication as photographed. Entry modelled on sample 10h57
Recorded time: 2h46
